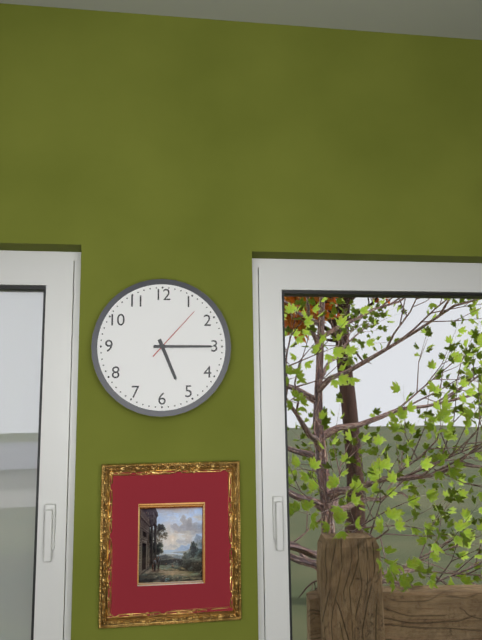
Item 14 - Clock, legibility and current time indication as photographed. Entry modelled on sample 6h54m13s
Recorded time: 5h15m07s
